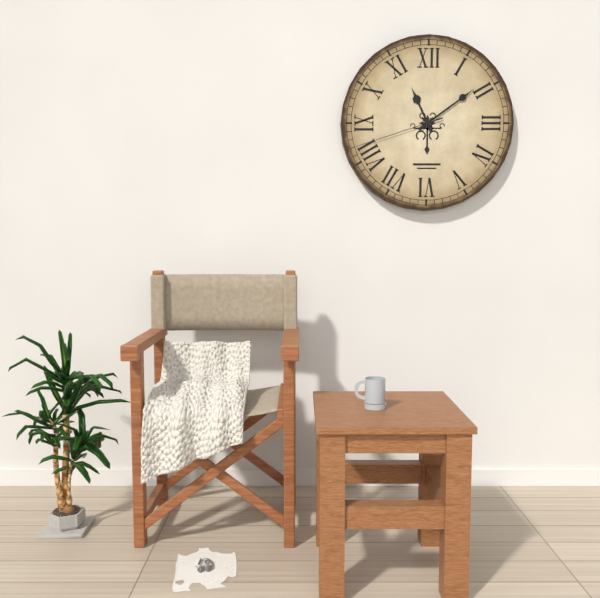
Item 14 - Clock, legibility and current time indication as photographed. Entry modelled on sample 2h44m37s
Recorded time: 11h09m42s
